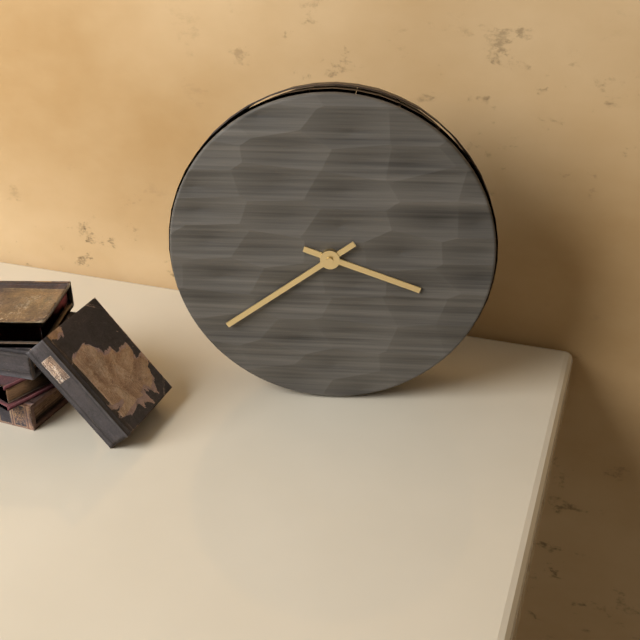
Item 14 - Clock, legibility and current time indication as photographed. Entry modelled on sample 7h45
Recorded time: 3h39
